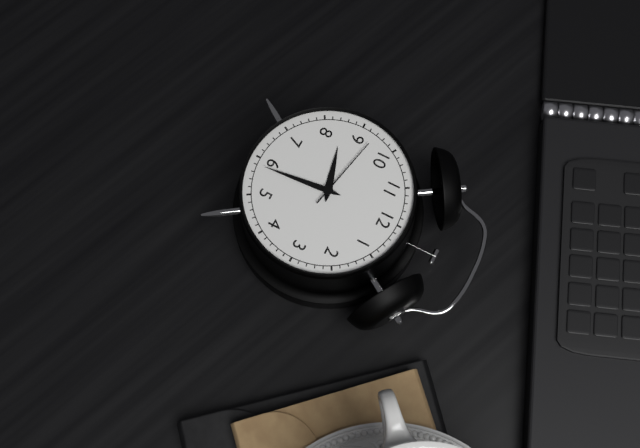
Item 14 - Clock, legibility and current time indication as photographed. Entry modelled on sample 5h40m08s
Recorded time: 8h29m47s
